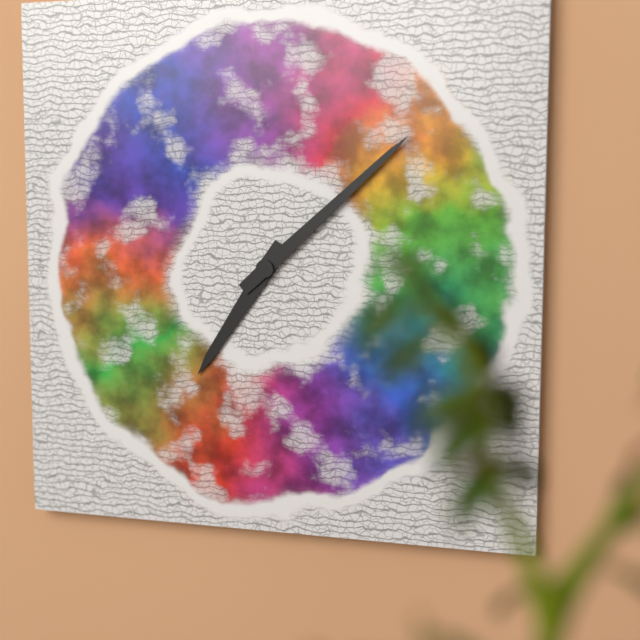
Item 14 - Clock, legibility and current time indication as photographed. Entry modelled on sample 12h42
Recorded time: 7h08
